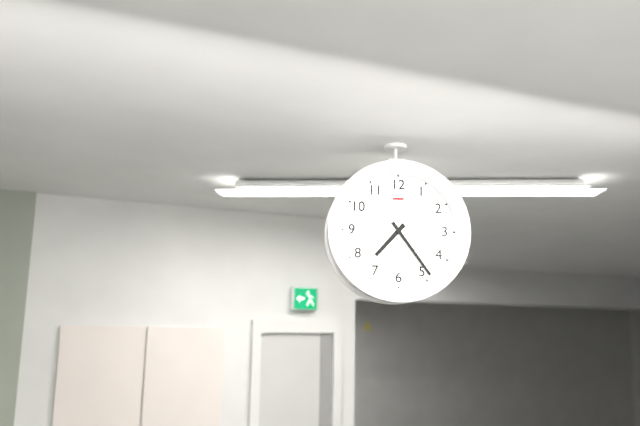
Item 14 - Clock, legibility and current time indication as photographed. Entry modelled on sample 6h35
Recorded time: 7h24
